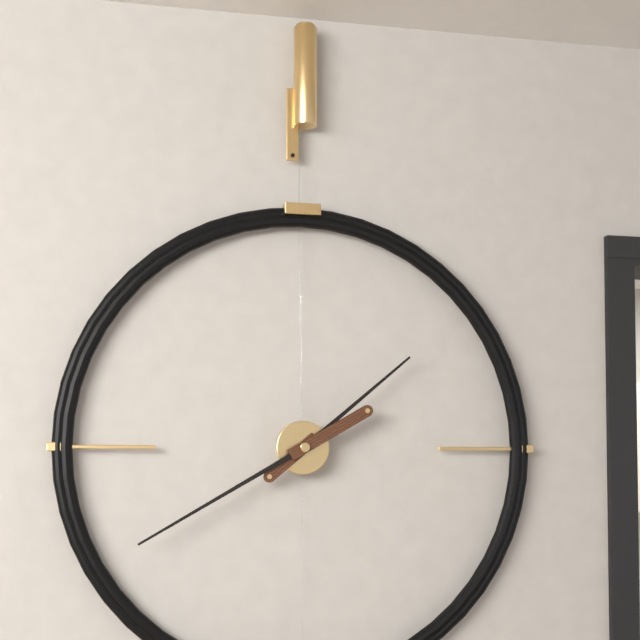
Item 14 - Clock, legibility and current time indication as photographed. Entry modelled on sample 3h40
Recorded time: 1h40
